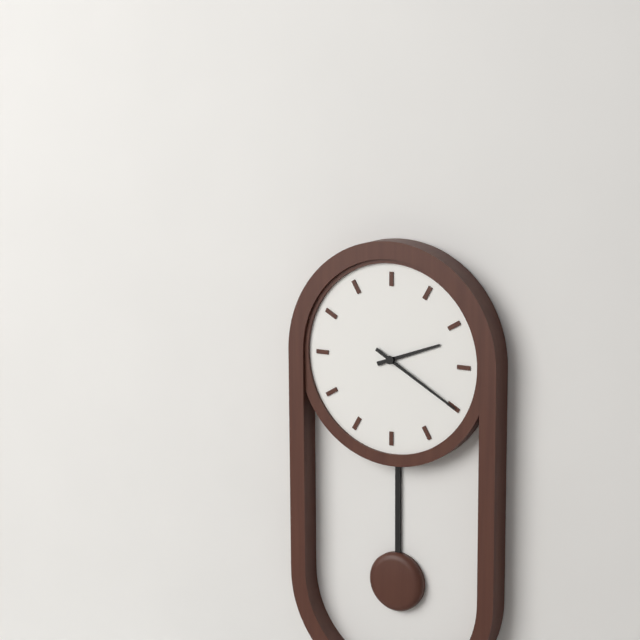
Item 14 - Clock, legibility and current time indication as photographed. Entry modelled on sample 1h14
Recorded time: 2h20
